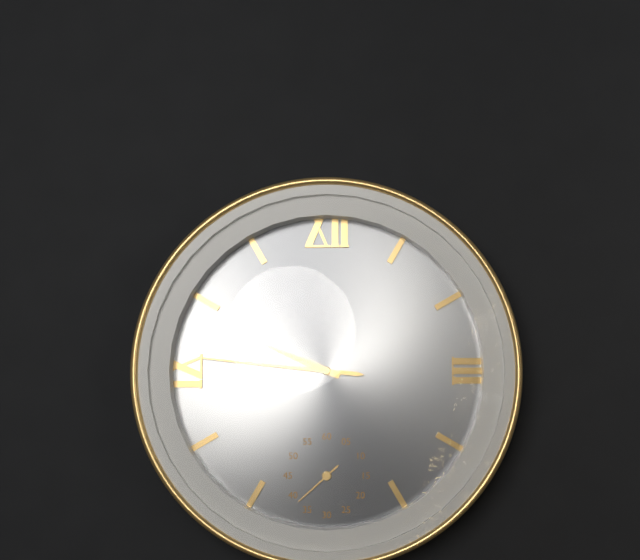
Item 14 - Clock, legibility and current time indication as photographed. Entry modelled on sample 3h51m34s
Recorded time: 9h46m38s
